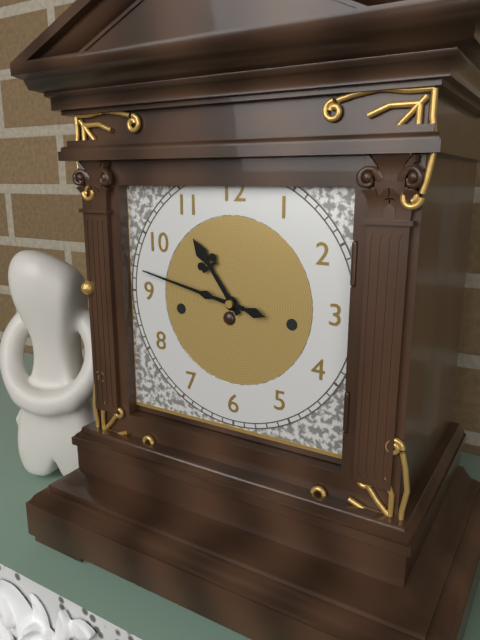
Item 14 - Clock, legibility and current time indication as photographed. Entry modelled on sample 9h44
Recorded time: 10h47
